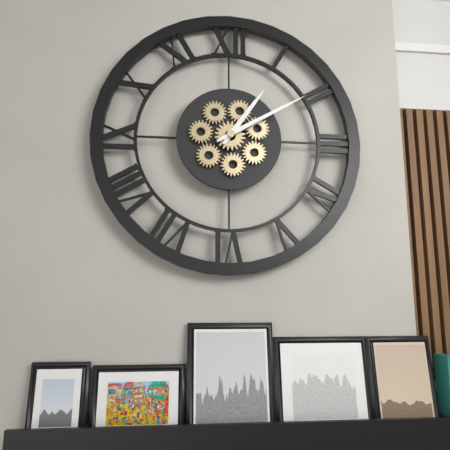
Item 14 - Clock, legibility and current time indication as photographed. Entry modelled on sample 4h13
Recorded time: 1h10
